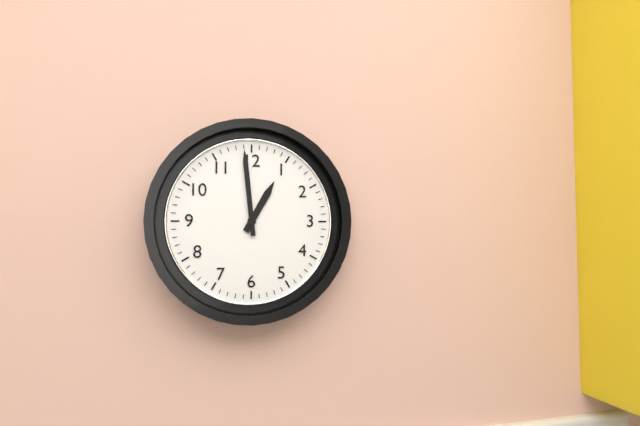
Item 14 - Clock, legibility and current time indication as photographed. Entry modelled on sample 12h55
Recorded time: 12h59
